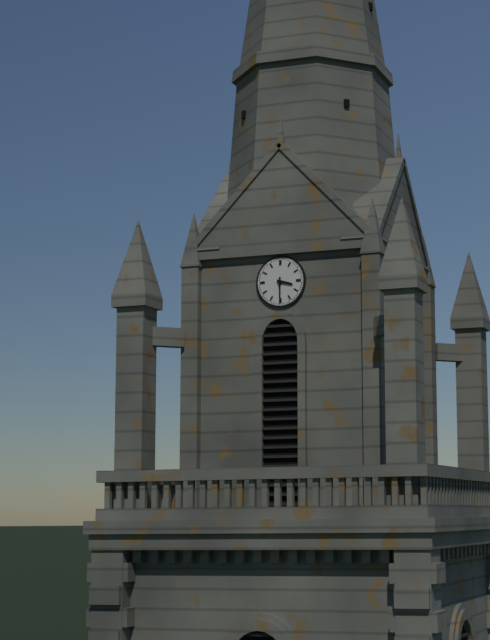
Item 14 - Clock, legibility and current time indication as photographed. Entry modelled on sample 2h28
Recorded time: 3h30
